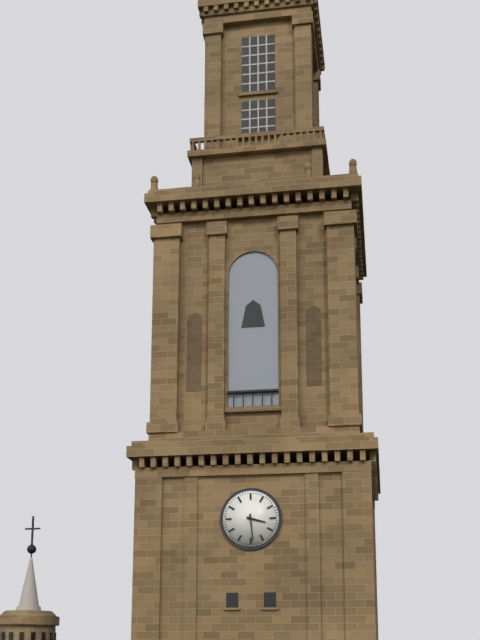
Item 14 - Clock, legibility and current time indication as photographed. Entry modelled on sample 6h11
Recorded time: 3h29
